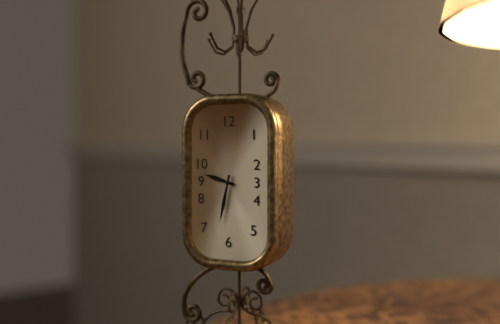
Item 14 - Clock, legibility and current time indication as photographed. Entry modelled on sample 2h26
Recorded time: 9h32
